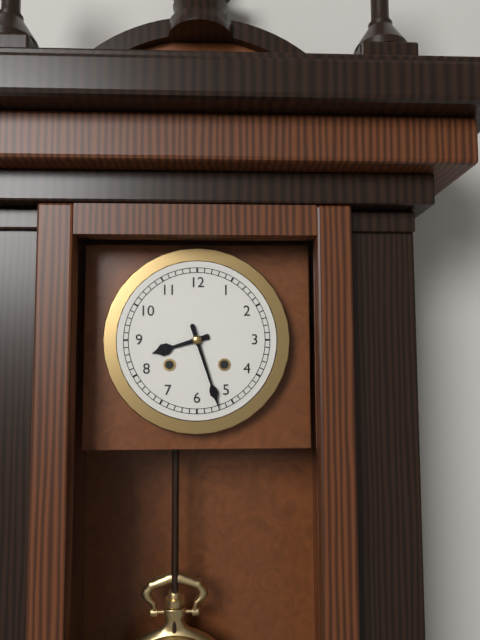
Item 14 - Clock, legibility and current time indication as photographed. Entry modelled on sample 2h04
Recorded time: 8h27
